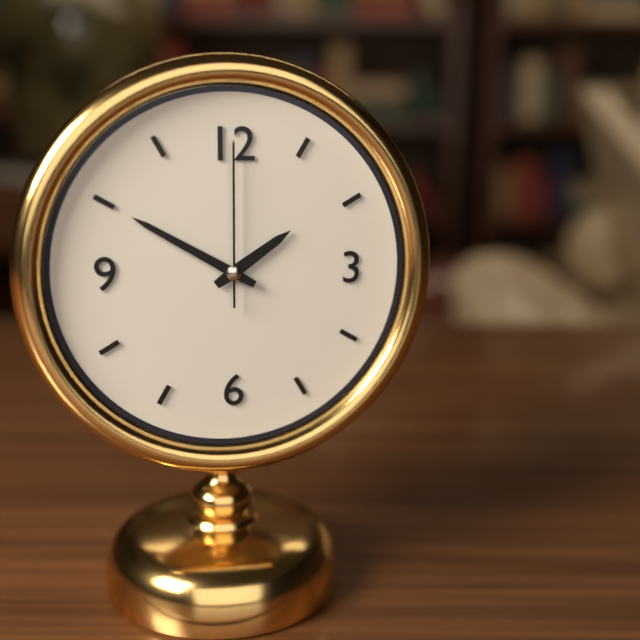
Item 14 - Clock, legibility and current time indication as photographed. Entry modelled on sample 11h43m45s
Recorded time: 1h50m00s
